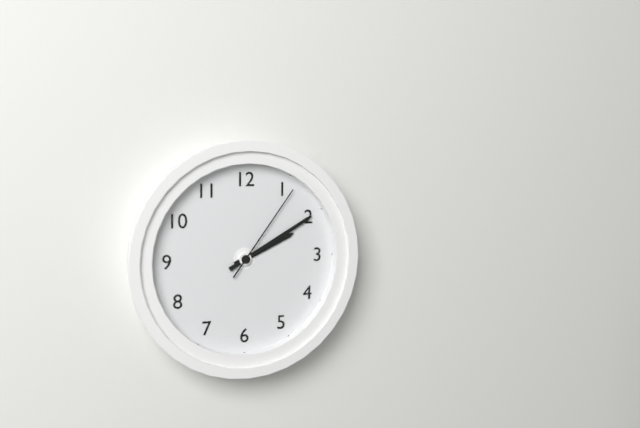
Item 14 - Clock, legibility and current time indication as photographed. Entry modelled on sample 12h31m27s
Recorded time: 2h10m06s
